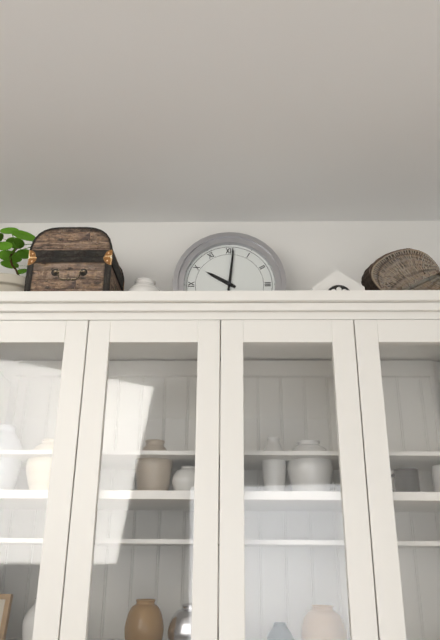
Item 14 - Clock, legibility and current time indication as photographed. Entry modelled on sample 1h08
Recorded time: 10h01
